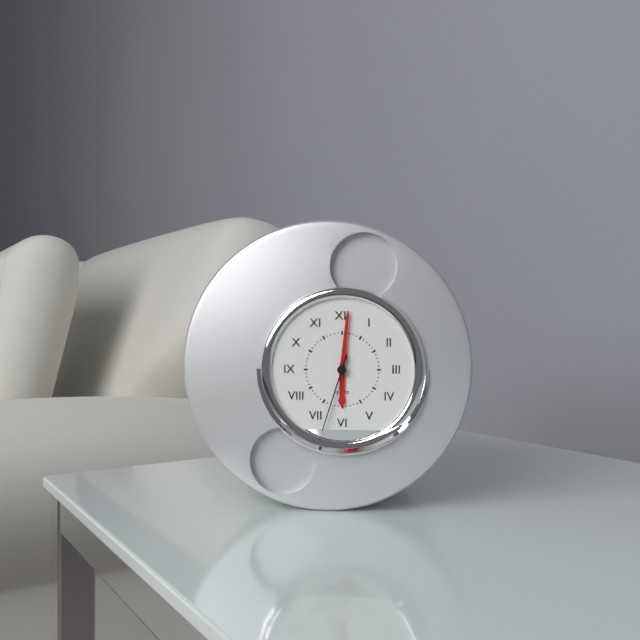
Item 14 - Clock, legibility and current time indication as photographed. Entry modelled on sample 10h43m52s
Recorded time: 6h01m33s
